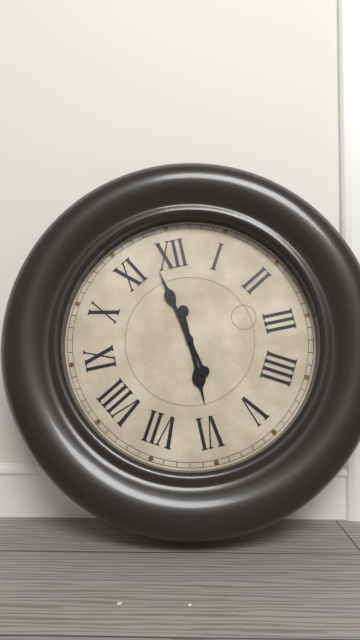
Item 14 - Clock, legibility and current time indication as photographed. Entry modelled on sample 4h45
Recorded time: 5h58
